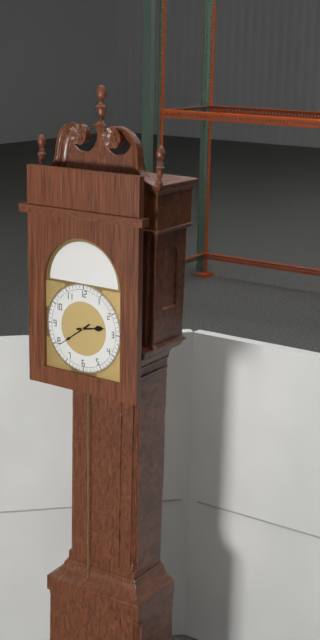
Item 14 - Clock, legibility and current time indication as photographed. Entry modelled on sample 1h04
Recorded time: 2h39
